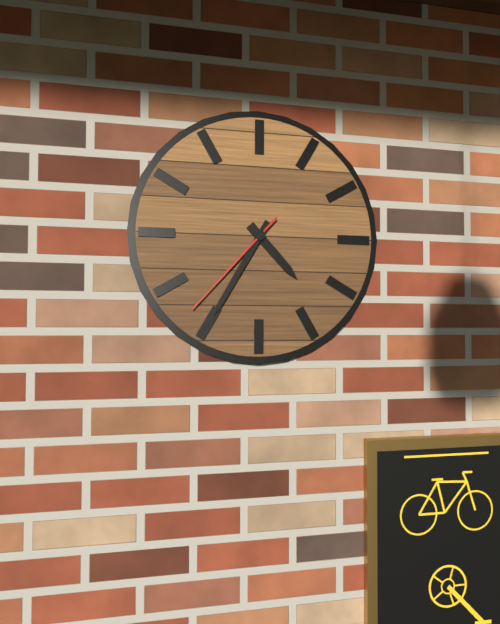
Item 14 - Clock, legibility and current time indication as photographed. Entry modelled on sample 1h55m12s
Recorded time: 4h35m37s
